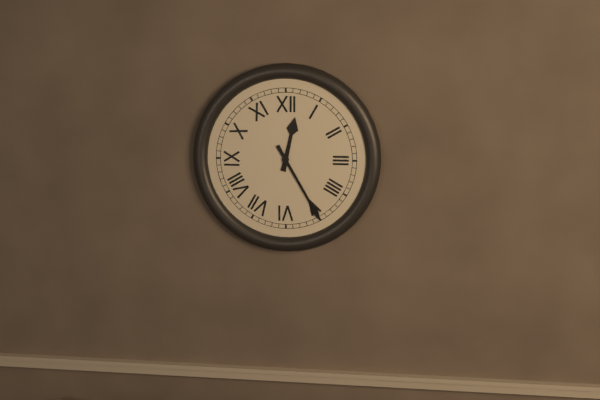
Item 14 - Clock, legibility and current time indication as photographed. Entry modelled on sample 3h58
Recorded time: 12h25
